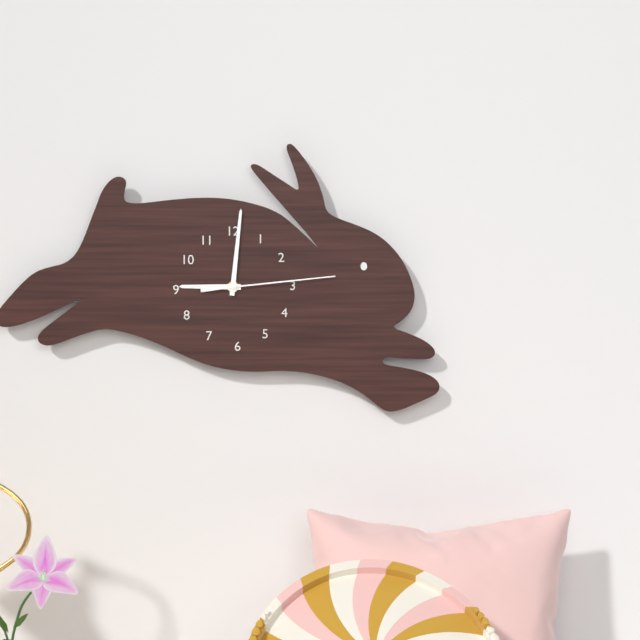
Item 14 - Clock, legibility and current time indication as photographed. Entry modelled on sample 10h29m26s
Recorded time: 9h01m14s
